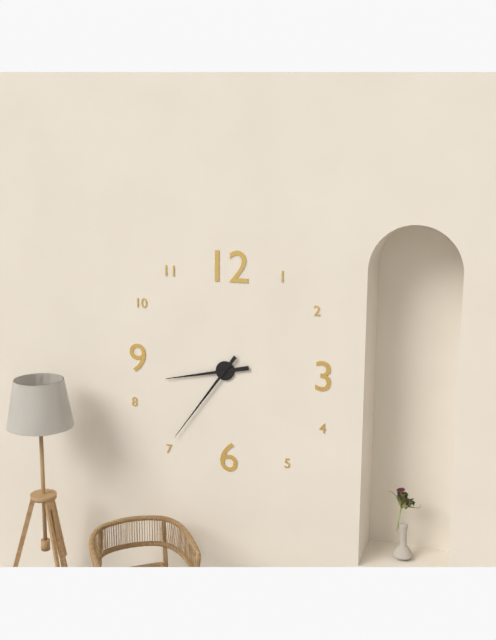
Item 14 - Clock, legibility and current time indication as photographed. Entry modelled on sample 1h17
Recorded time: 8h36
